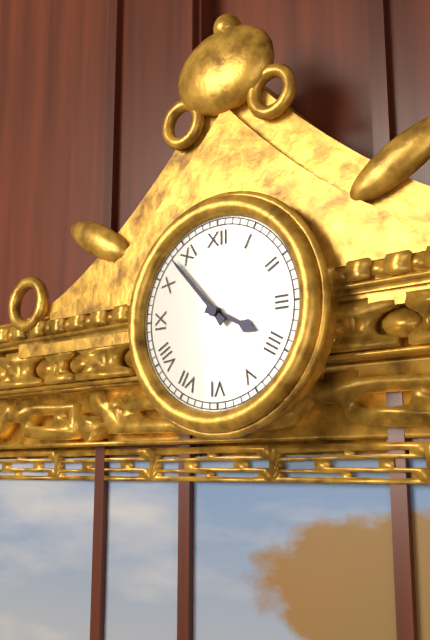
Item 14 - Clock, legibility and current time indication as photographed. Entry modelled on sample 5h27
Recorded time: 3h53
